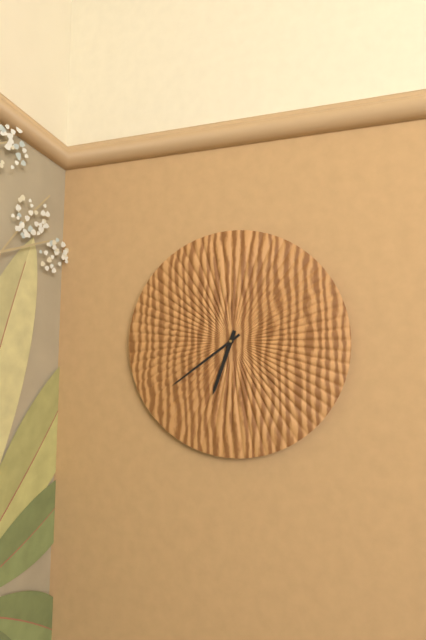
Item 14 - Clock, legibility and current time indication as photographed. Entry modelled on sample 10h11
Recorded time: 6h39
